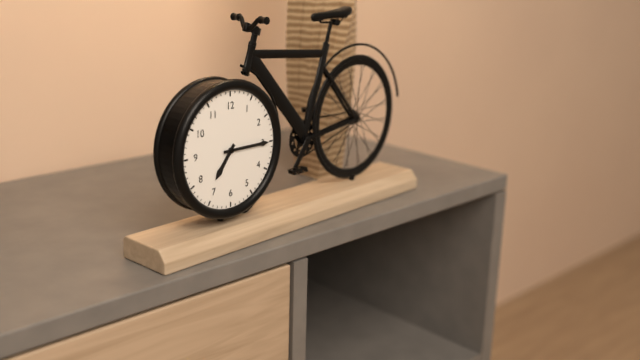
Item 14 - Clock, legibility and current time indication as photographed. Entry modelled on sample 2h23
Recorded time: 7h15
